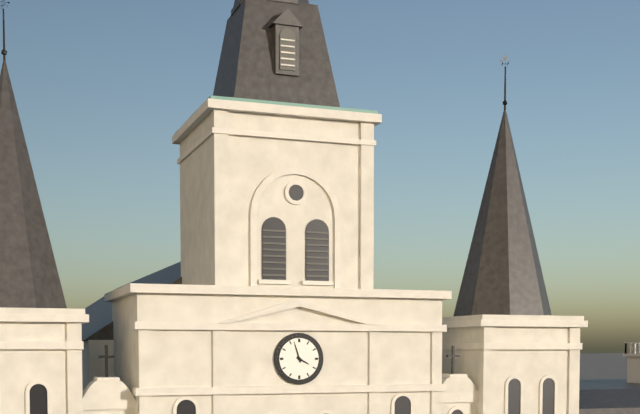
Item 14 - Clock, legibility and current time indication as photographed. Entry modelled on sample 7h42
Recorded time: 3h57
